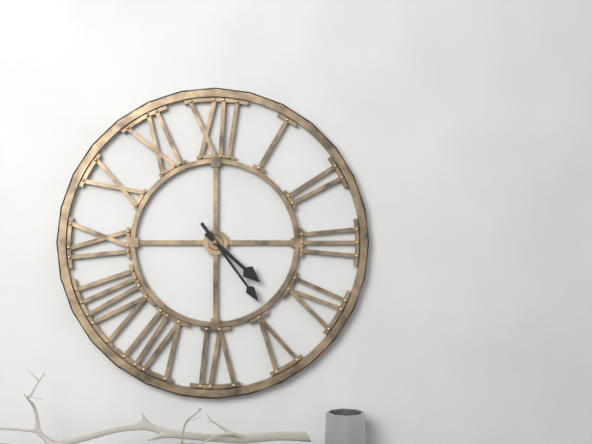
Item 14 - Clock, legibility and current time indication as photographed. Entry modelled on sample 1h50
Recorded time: 4h24
